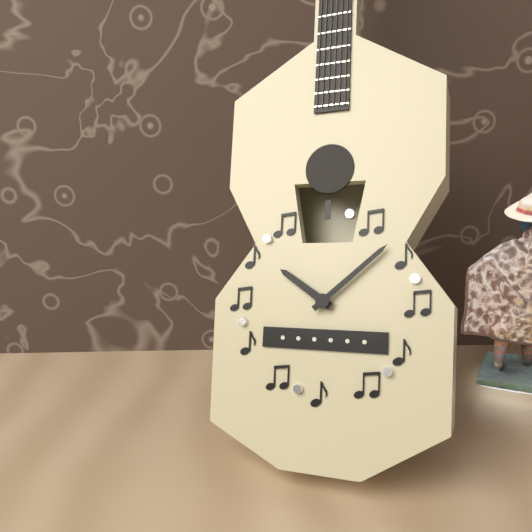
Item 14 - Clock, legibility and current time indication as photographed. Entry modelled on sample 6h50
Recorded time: 10h08
